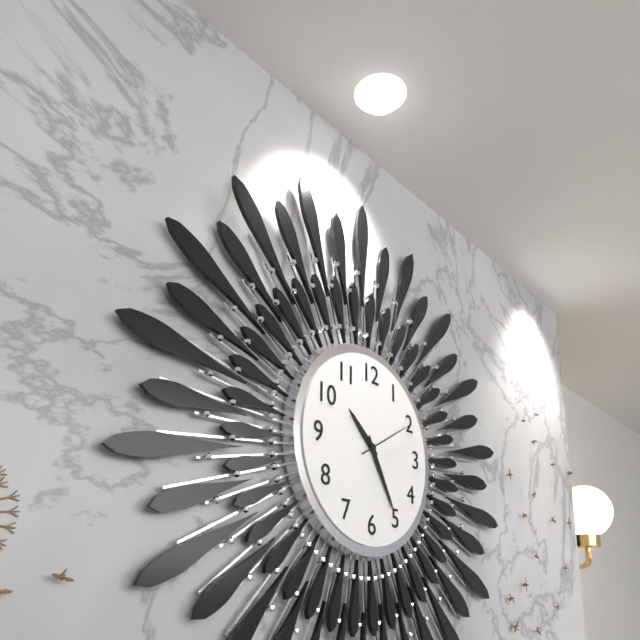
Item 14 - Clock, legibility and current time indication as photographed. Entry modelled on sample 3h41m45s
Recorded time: 10h25m10s
